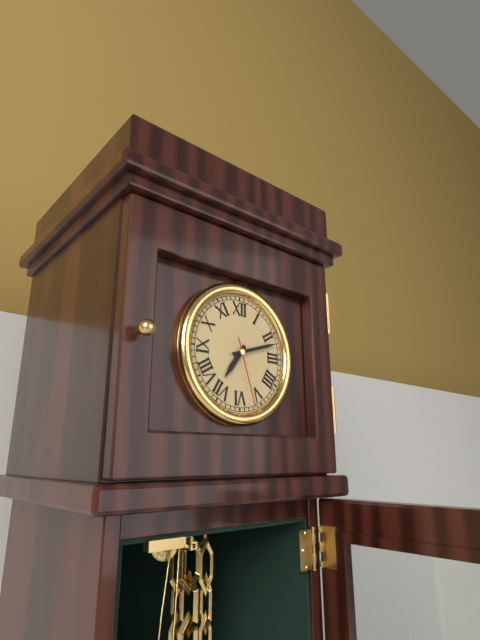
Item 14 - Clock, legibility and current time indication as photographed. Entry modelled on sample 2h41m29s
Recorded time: 7h12m27s
